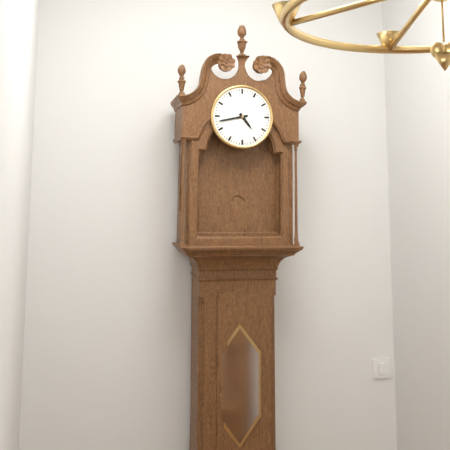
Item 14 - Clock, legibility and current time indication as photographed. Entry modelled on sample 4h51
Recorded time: 4h43
